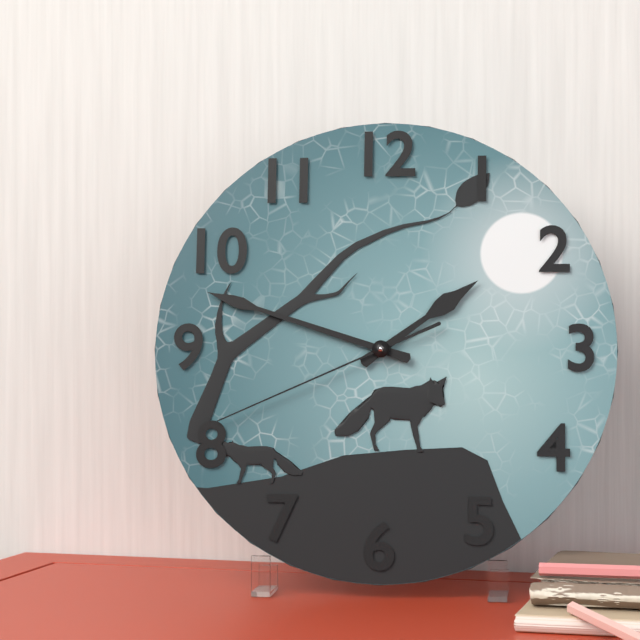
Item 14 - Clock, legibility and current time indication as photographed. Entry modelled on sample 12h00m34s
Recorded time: 1h48m41s
